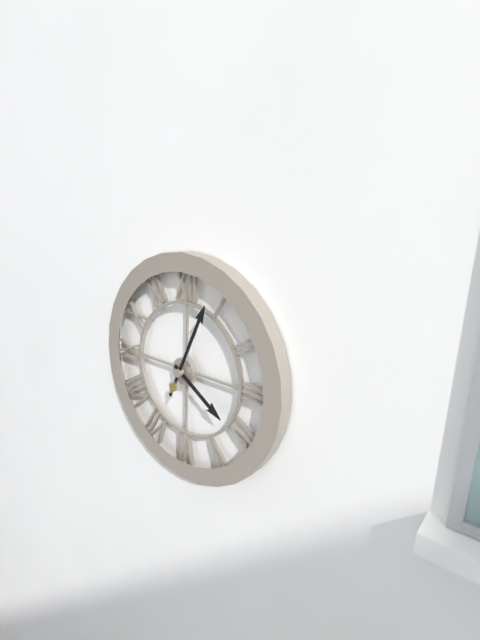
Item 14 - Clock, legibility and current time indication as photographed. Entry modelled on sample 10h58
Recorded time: 4h04
